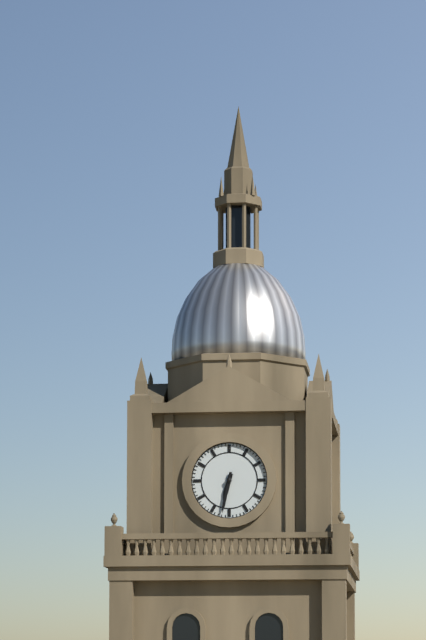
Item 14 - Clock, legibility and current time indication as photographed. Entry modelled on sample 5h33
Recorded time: 6h32
